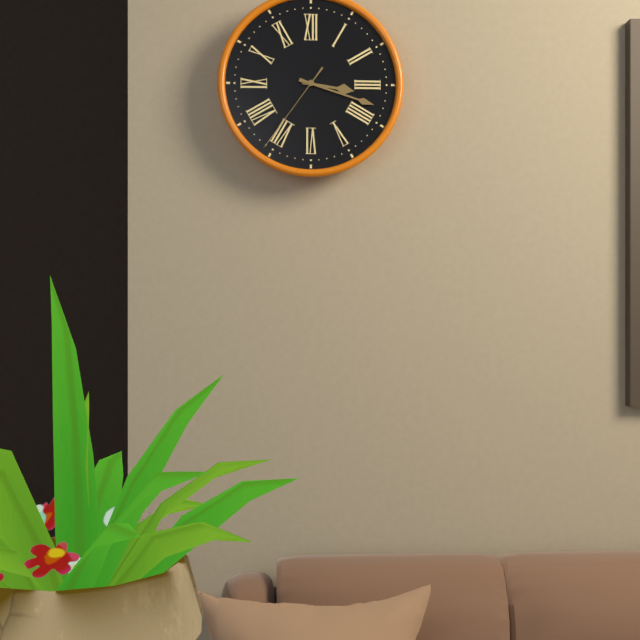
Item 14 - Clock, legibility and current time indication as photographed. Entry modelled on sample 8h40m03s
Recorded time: 3h18m36s
